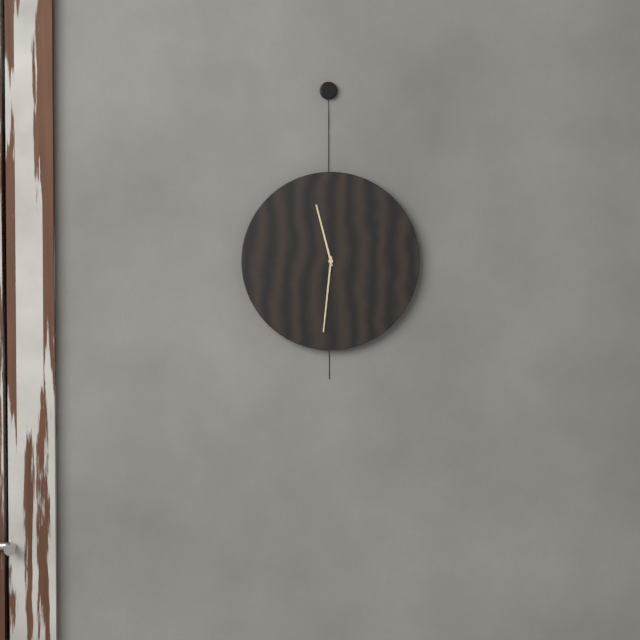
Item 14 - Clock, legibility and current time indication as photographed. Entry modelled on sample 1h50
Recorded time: 11h31
